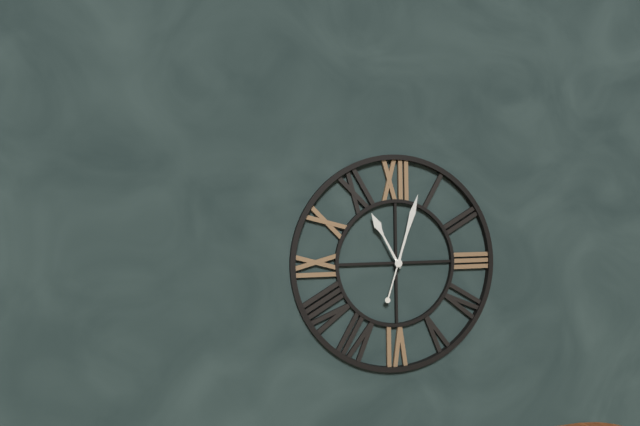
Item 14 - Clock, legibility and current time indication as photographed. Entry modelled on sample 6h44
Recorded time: 11h03
